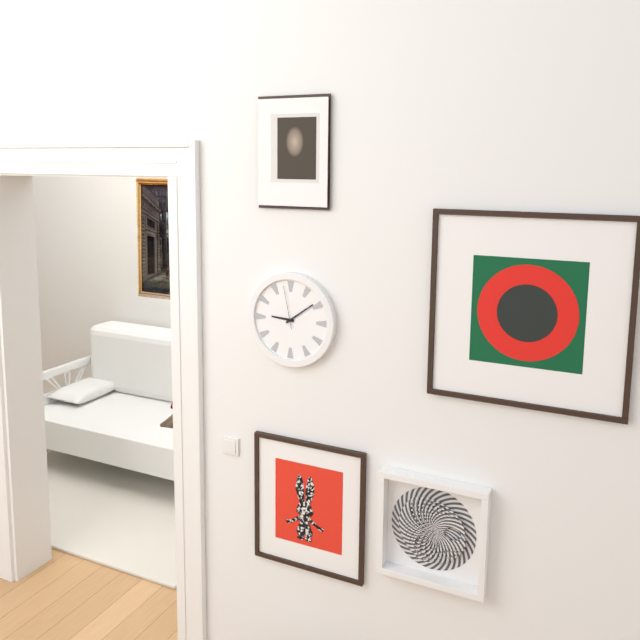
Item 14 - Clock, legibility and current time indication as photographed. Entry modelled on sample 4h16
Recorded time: 9h09
